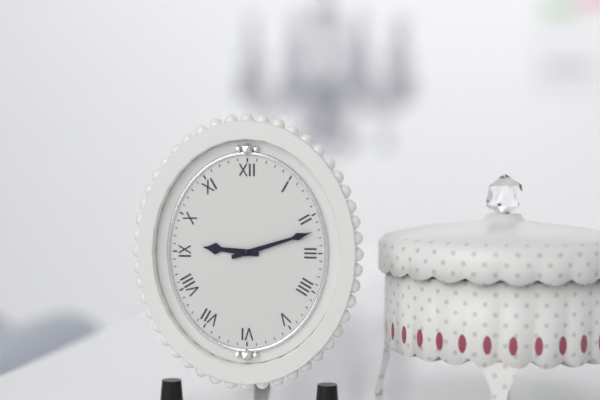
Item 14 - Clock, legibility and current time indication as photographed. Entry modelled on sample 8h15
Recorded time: 9h12
